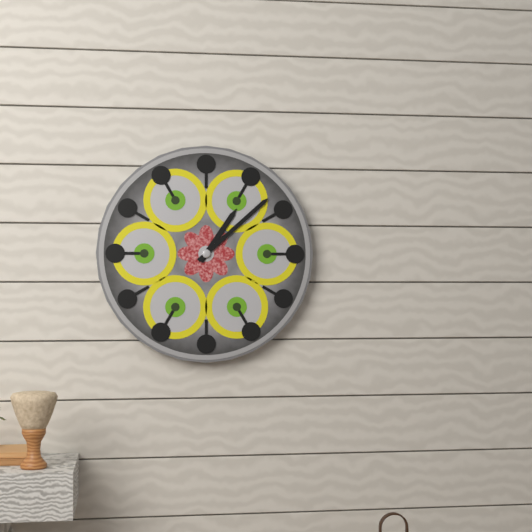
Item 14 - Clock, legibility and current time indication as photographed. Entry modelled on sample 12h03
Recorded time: 1h08
